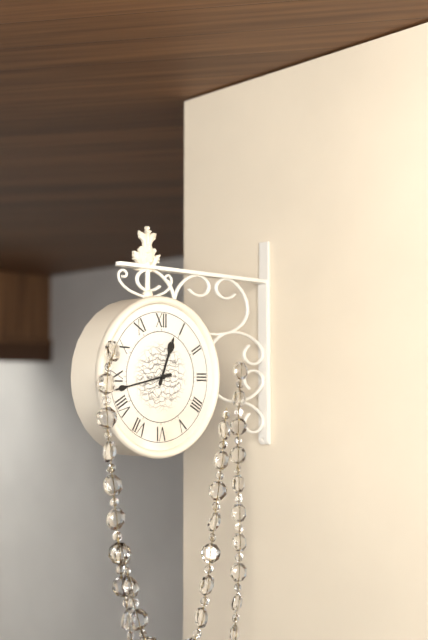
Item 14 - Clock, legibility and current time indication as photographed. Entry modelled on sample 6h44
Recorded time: 12h43
